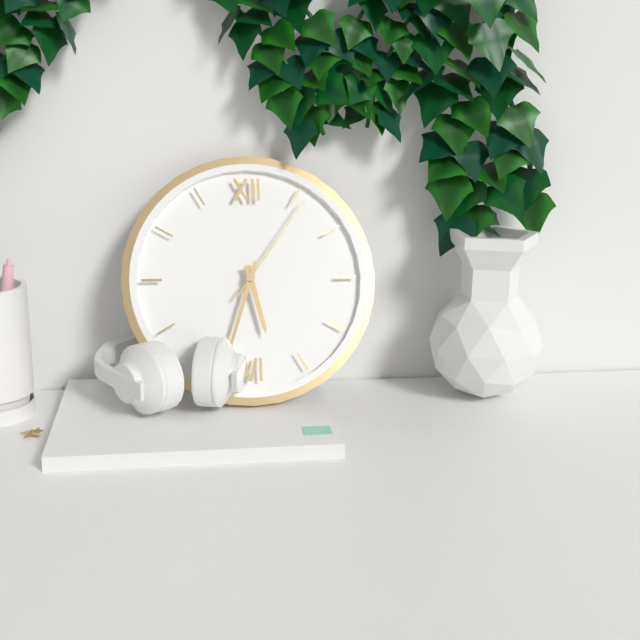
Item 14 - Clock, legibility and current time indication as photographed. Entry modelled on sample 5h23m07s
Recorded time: 5h33m06s
